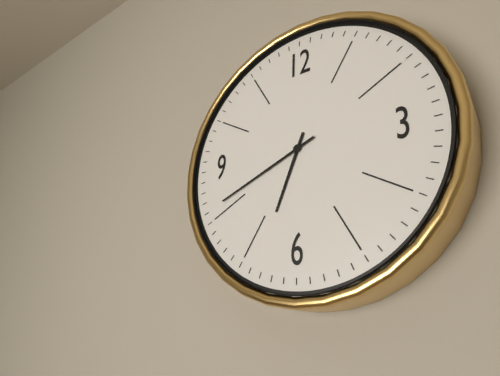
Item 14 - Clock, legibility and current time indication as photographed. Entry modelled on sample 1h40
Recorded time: 6h41
